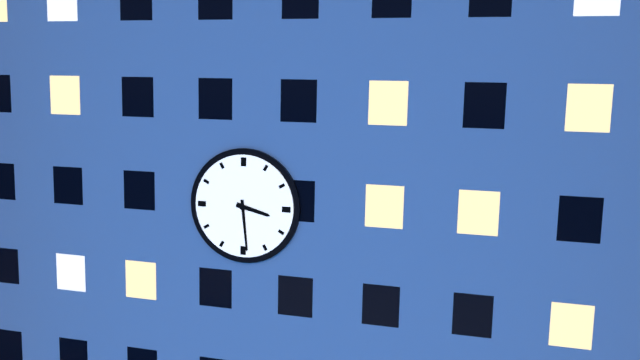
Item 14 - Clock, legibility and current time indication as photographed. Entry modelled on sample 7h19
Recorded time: 3h29
